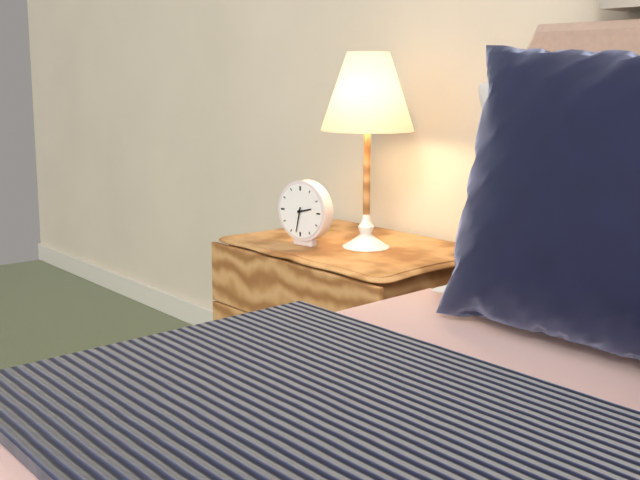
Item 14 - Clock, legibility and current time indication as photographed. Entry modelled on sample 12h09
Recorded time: 2h32
